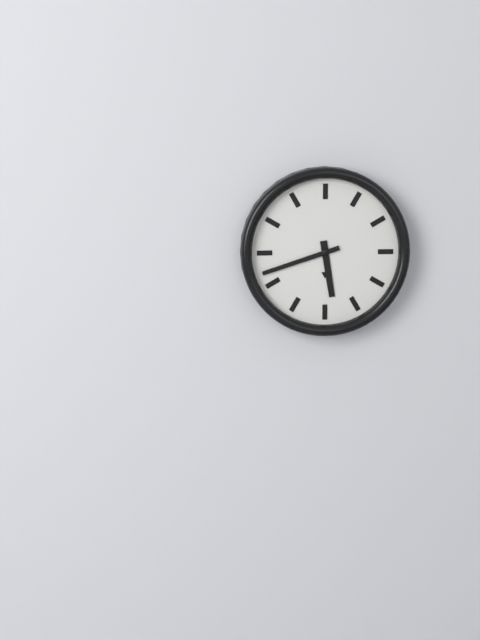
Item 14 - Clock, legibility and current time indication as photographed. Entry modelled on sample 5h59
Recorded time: 5h42
